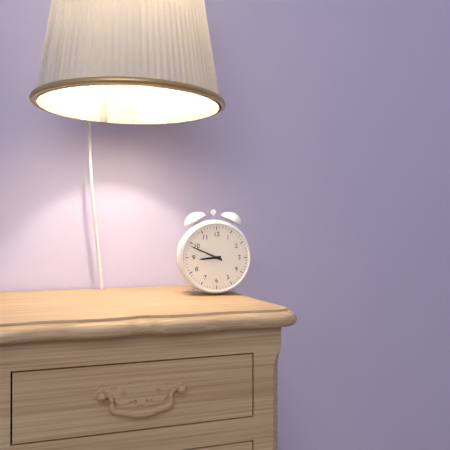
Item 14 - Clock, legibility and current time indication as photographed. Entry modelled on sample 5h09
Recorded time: 8h49
